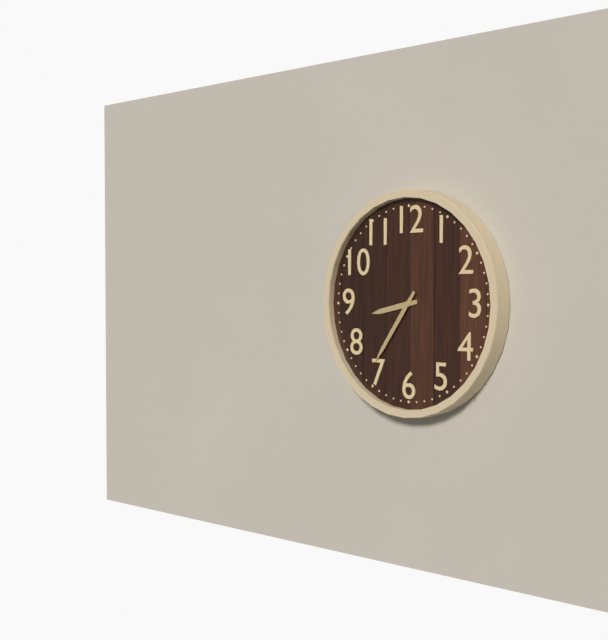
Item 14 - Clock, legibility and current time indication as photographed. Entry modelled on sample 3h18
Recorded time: 8h36
